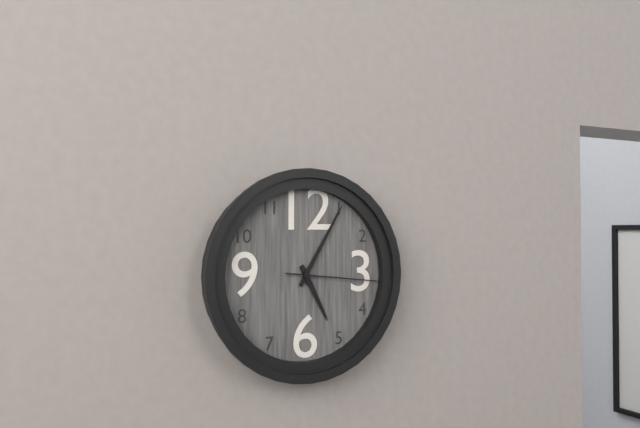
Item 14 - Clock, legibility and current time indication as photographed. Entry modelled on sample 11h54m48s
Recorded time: 5h05m16s
